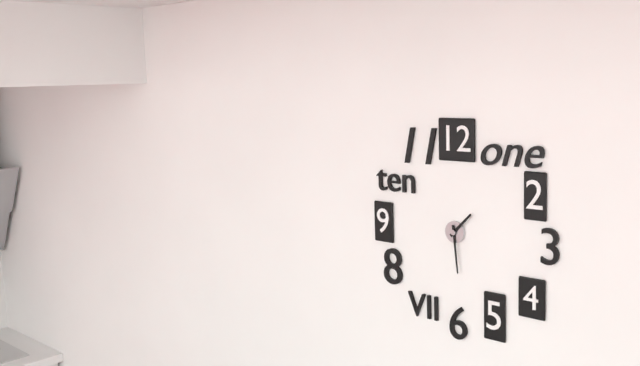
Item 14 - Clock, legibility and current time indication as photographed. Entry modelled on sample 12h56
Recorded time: 1h29
